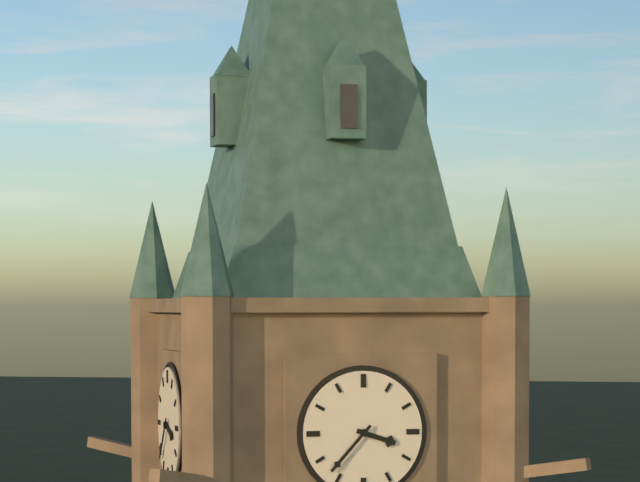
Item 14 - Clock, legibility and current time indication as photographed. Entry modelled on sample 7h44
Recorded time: 3h37
